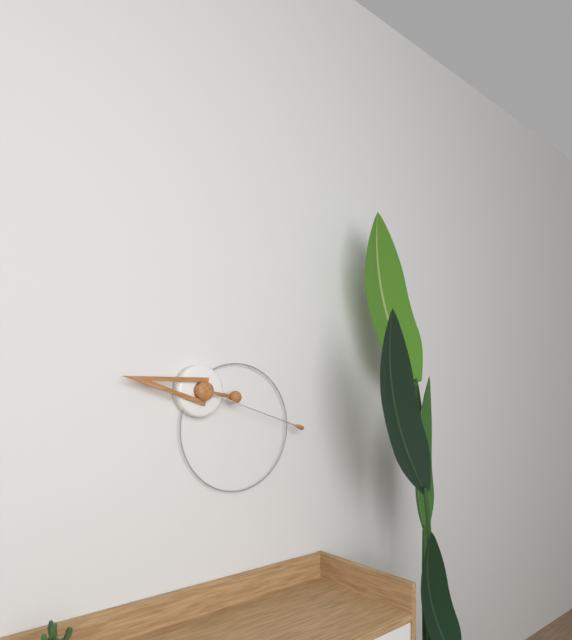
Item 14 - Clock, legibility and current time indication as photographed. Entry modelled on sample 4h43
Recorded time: 9h18
